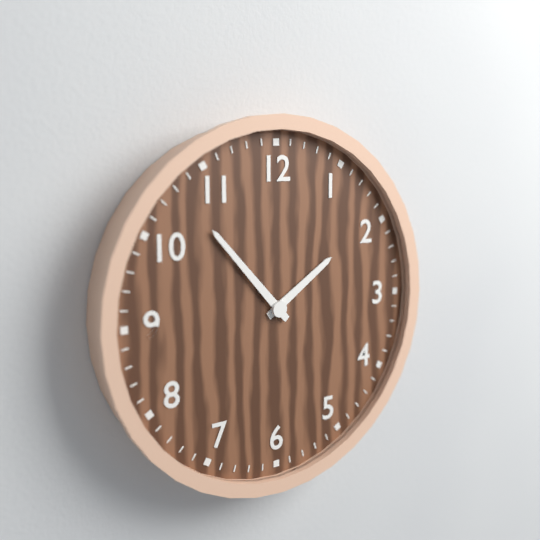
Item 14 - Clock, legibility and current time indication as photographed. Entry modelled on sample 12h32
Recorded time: 1h53
